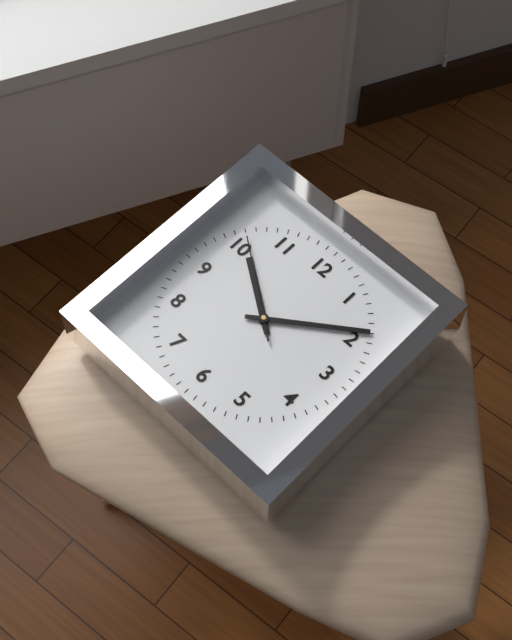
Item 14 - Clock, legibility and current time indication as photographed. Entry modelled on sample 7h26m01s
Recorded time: 10h09m51s
